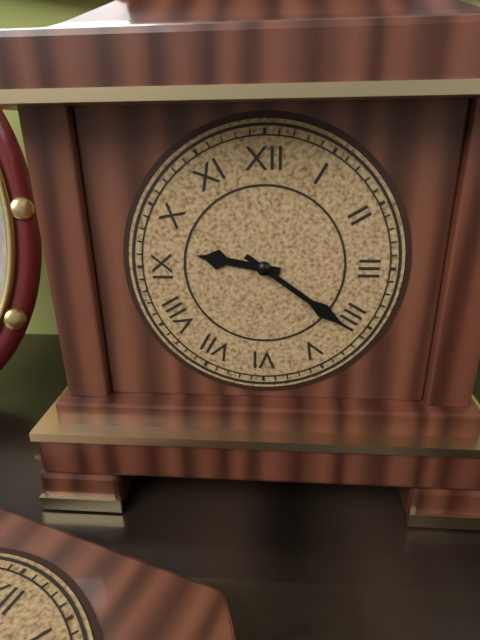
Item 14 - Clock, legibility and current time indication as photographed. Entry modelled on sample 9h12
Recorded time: 9h21
